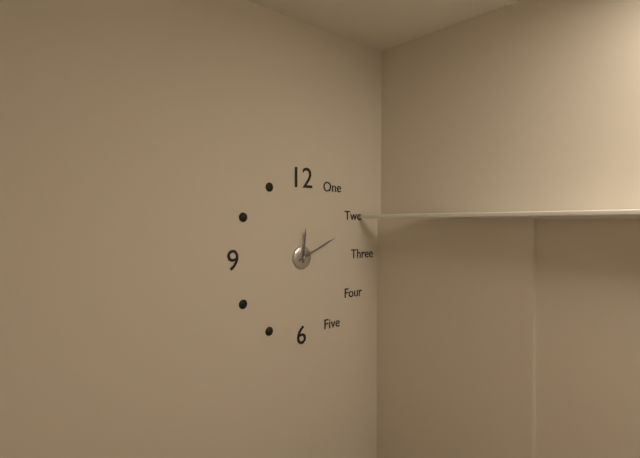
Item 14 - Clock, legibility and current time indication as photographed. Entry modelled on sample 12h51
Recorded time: 12h11
